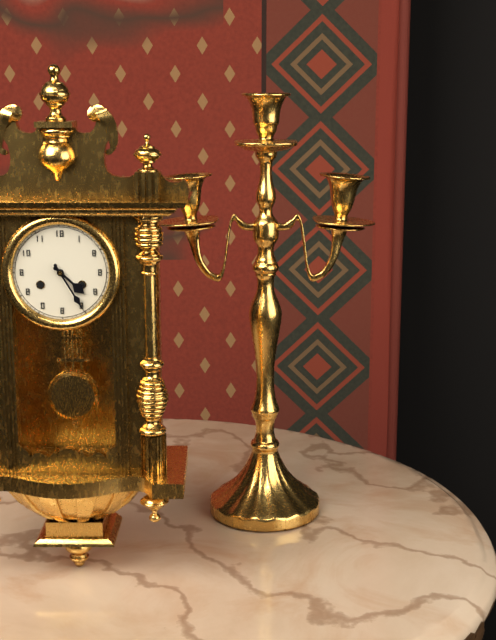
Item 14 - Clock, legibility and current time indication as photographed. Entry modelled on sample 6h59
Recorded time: 4h25
